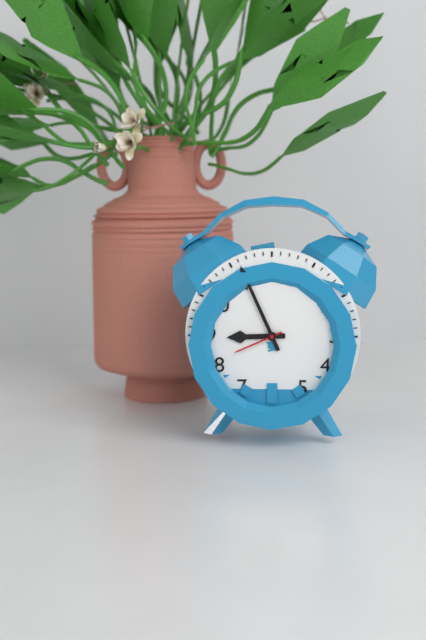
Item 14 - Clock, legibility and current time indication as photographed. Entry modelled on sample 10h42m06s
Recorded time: 8h56m41s
